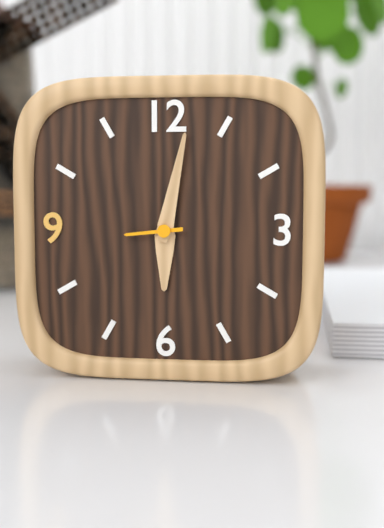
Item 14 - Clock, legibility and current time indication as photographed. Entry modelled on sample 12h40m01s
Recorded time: 6h02m44s
